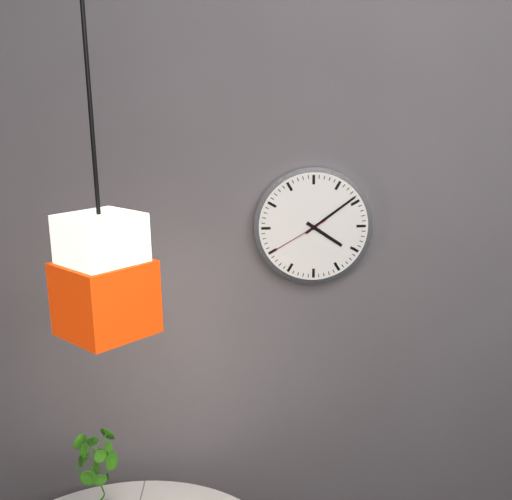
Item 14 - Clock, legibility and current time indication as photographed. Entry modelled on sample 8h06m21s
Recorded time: 4h09m40s
